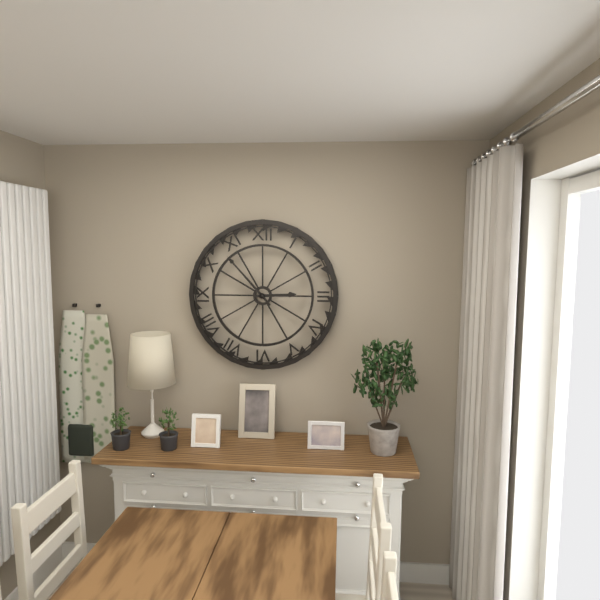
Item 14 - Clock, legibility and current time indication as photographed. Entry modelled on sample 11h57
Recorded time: 2h53
